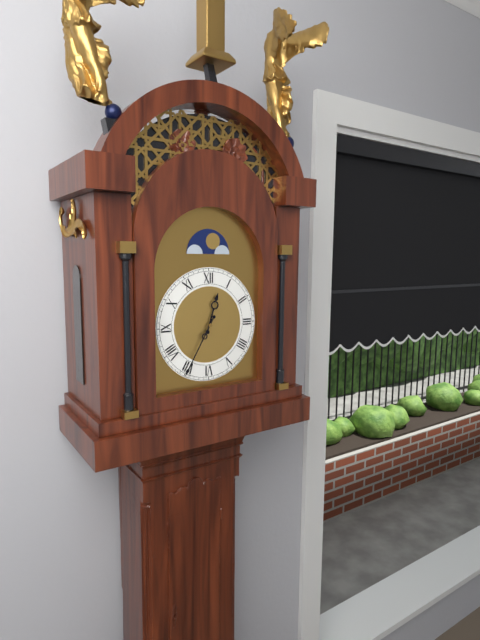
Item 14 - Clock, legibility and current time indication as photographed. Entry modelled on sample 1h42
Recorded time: 12h35
